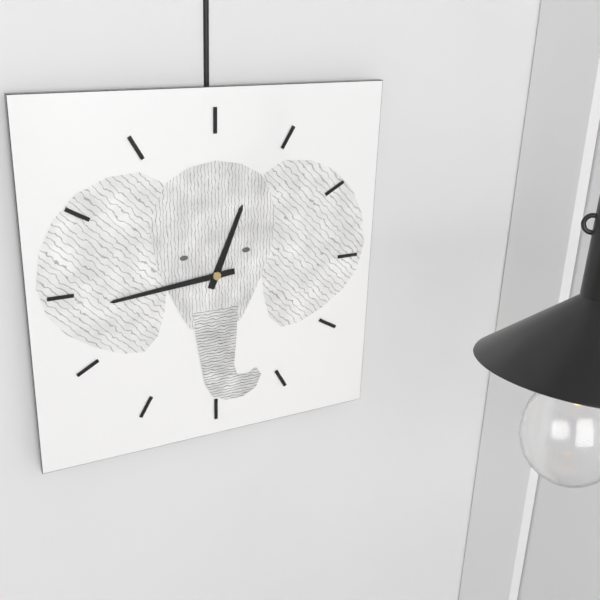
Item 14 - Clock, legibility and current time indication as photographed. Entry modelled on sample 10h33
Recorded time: 12h44
